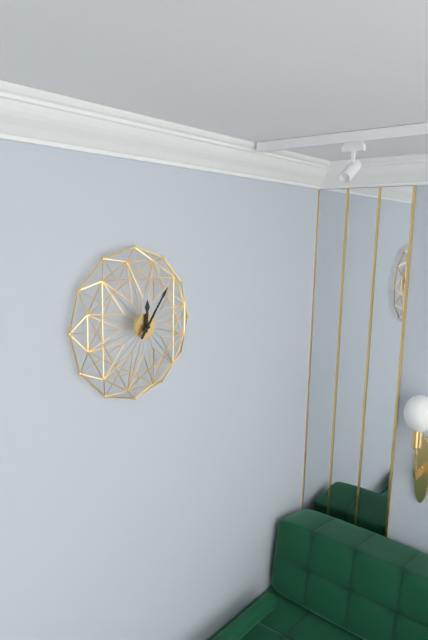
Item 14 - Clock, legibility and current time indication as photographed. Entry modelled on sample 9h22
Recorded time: 12h06
